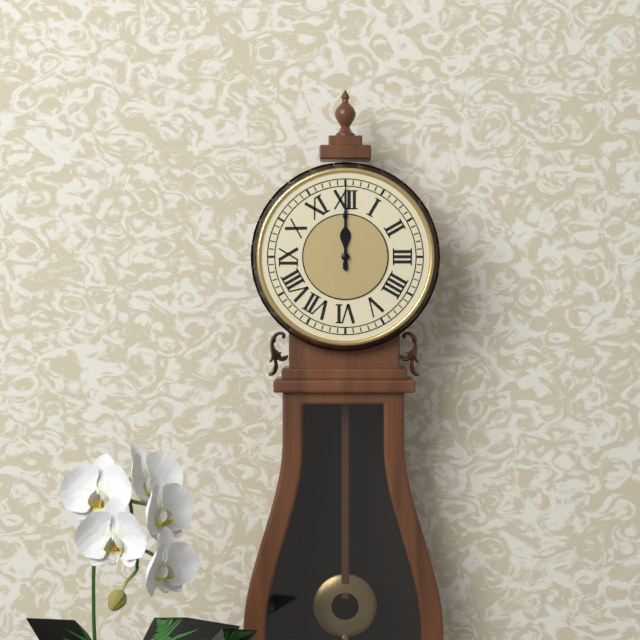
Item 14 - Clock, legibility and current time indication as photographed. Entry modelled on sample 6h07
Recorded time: 12h00
